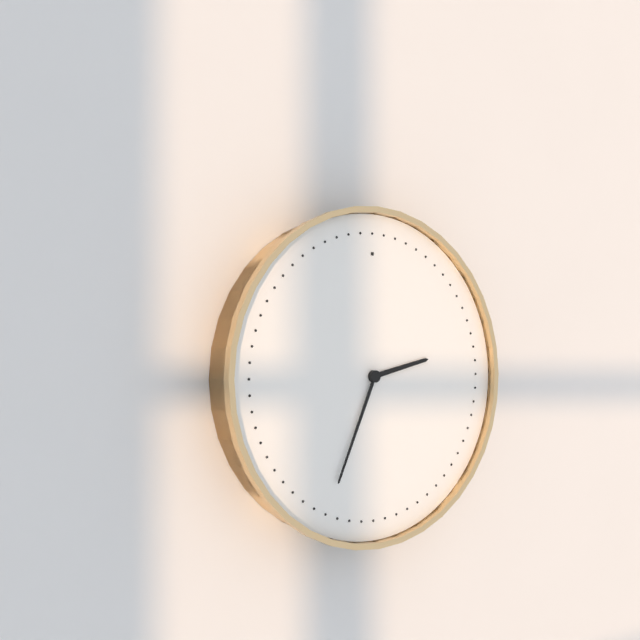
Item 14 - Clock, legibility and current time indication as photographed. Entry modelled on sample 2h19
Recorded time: 2h34
